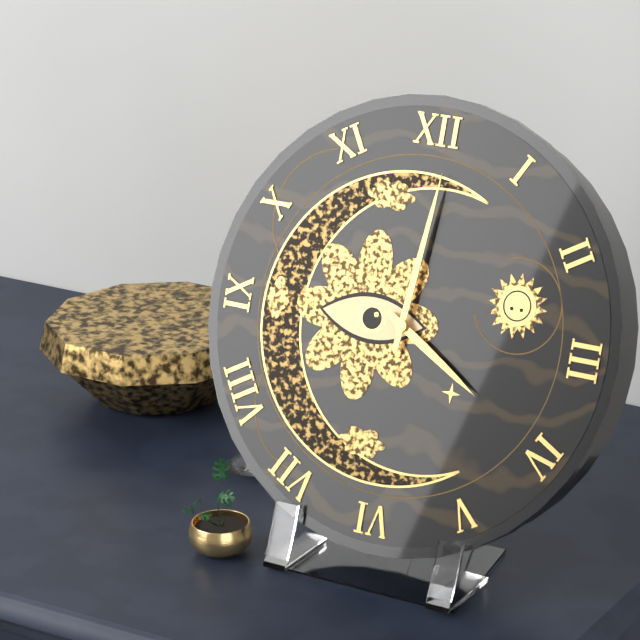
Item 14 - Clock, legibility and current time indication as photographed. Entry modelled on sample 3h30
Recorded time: 4h01
